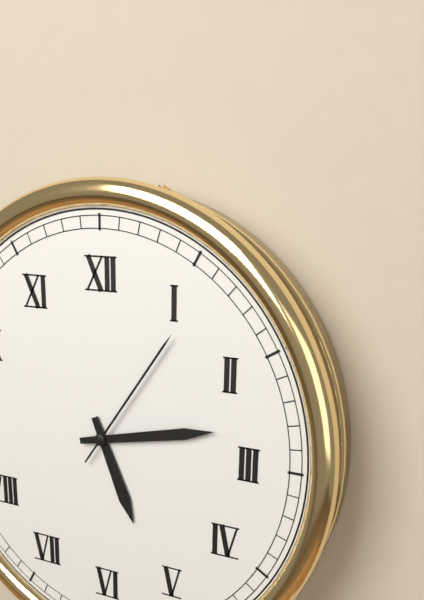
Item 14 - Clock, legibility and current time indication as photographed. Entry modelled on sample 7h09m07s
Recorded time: 5h13m06s
